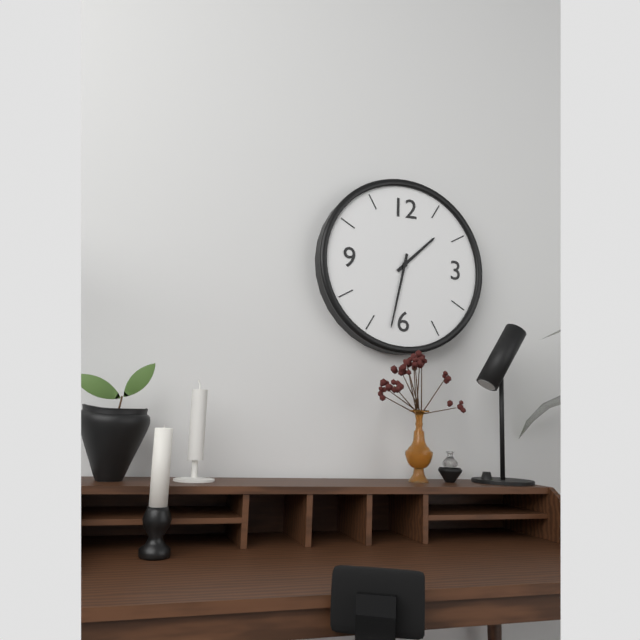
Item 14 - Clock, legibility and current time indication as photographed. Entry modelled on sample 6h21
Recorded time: 1h32
